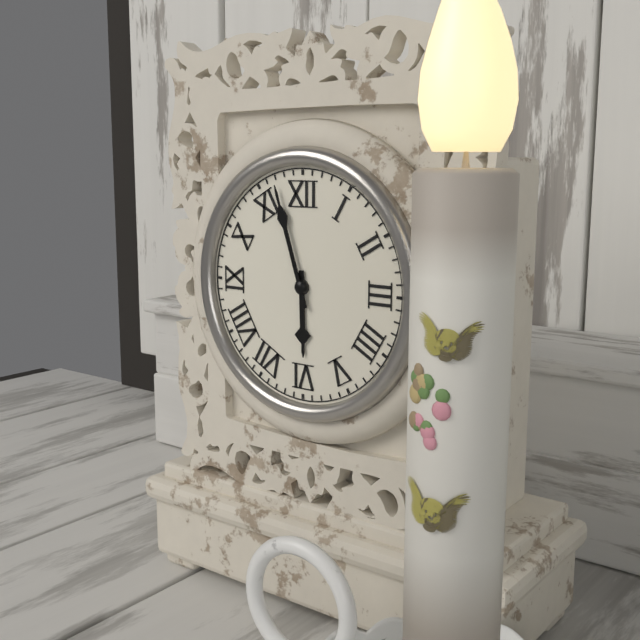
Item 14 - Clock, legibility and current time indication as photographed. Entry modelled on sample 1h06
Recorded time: 5h57
